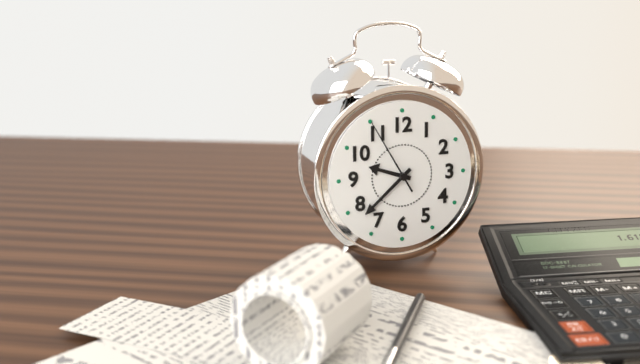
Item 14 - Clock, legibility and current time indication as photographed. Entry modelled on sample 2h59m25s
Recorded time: 9h38m55s
